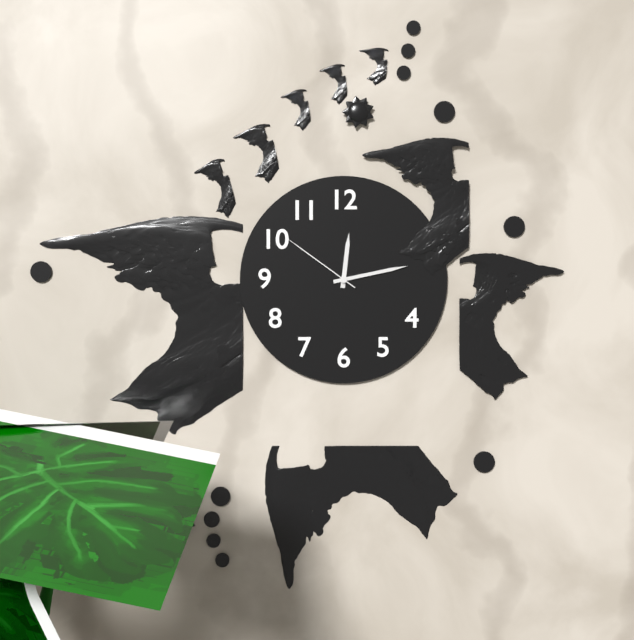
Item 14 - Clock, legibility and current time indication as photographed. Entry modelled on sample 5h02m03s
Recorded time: 12h13m51s
